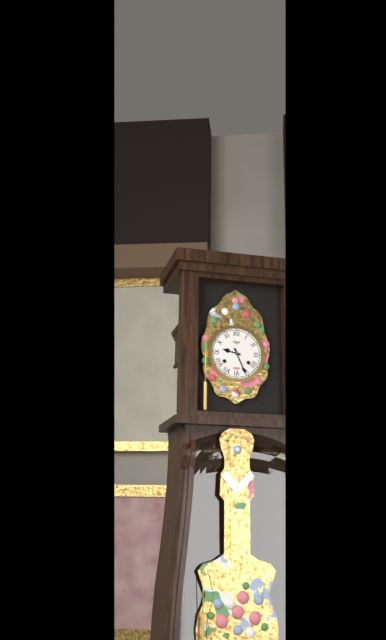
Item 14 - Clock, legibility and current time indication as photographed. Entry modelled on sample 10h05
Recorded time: 9h26
